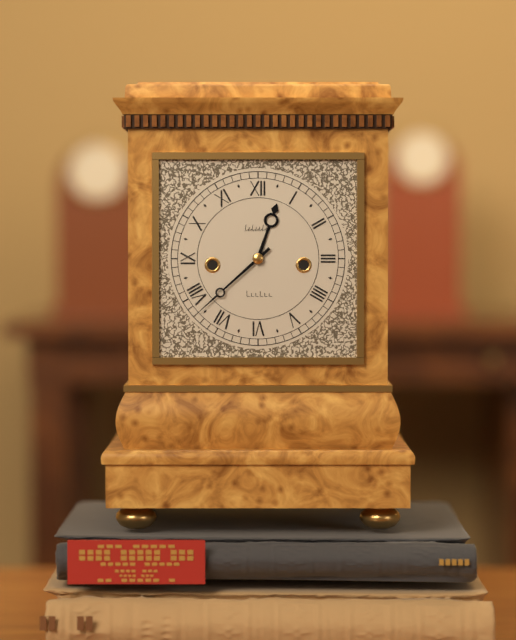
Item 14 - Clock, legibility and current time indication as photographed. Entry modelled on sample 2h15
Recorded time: 12h38
